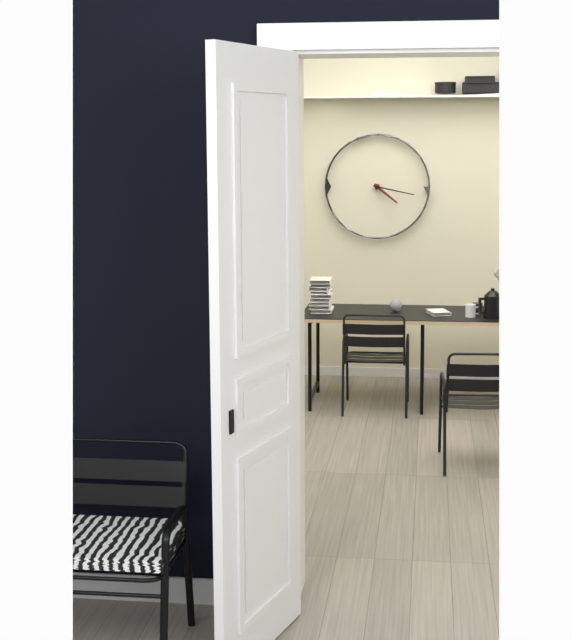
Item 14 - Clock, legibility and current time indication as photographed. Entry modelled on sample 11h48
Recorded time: 4h17
